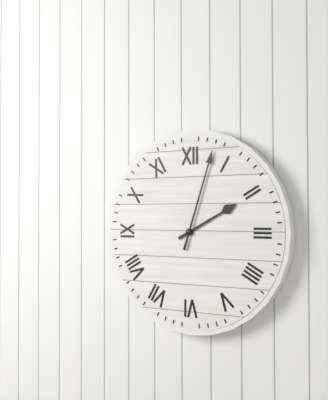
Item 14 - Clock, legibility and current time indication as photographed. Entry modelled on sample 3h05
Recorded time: 2h03
